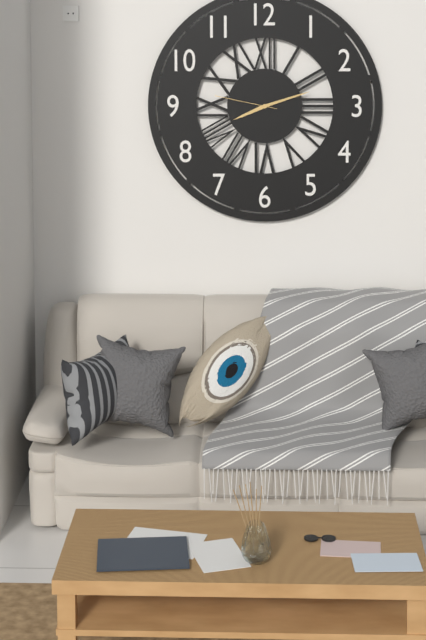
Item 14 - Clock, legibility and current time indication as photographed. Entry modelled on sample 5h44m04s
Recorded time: 8h12m47s
